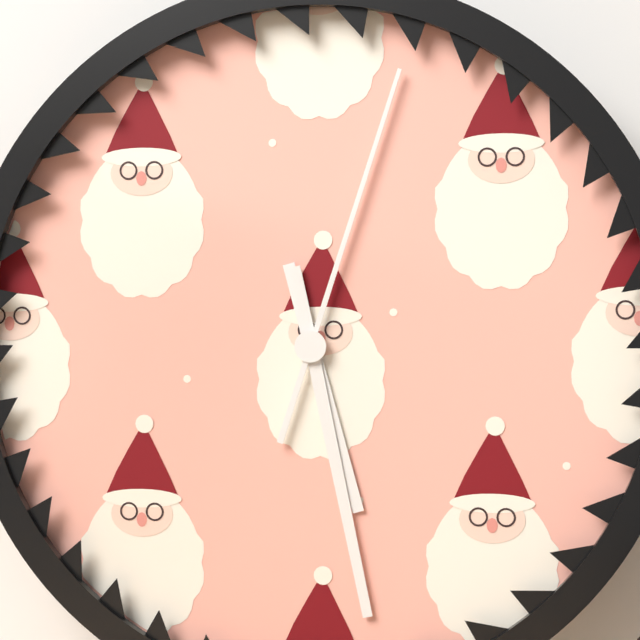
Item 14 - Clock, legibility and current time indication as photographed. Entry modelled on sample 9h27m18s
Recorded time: 5h28m03s
